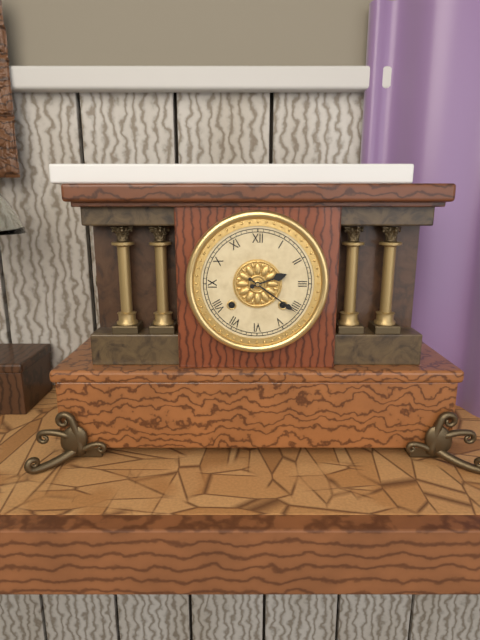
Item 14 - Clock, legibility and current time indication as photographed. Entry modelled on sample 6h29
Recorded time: 2h21
